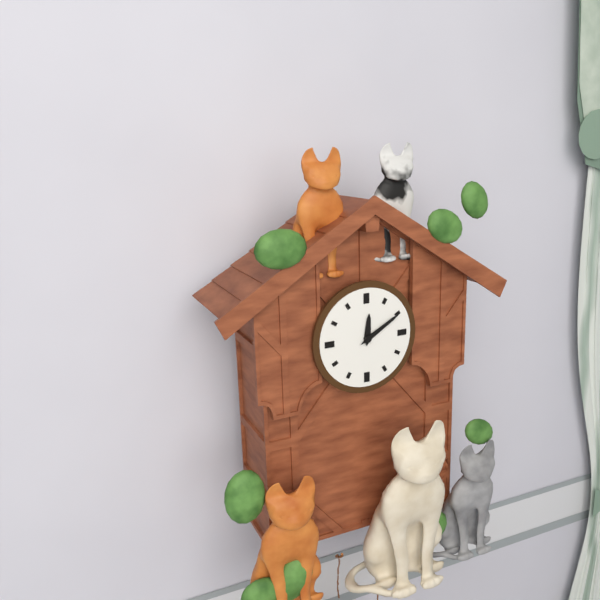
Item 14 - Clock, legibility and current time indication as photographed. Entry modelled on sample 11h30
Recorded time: 12h10
